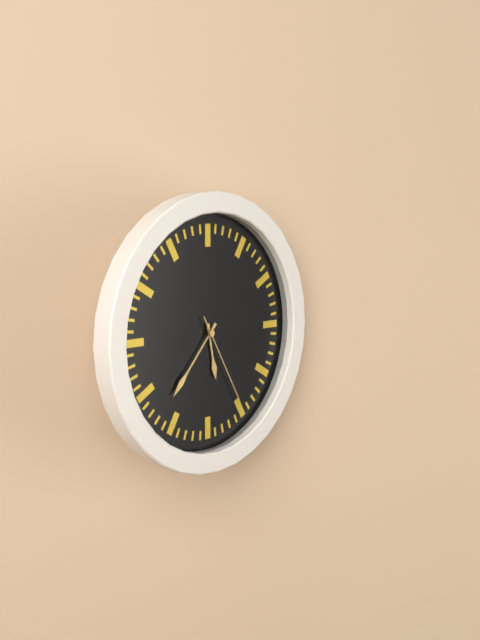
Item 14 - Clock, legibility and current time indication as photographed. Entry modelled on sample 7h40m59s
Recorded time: 5h37m25s
